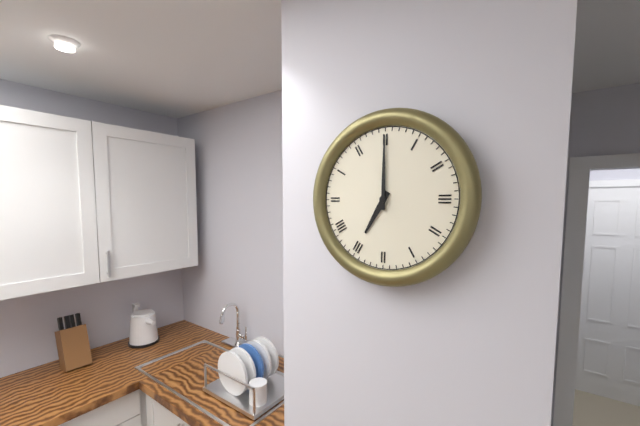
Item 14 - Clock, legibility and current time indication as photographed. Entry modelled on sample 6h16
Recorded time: 7h00
